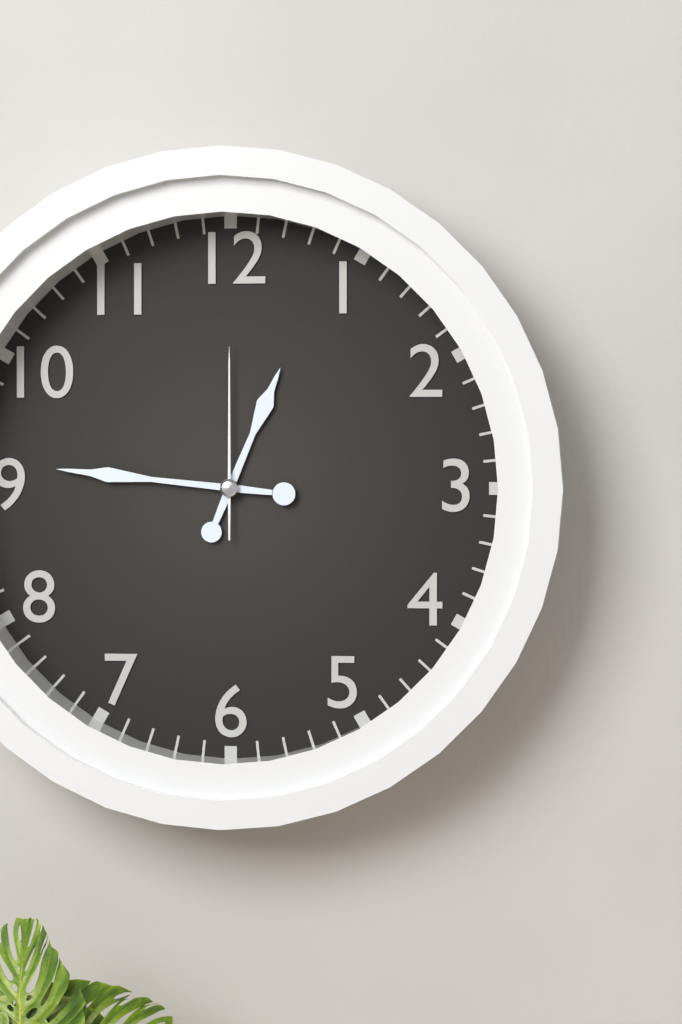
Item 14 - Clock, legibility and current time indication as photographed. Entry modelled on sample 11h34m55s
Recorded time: 12h46m00s
